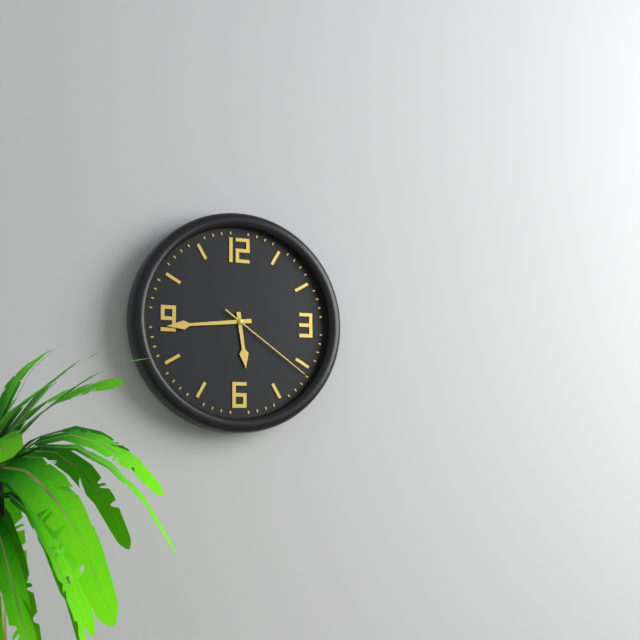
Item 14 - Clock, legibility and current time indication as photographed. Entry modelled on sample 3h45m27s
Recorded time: 5h44m21s
